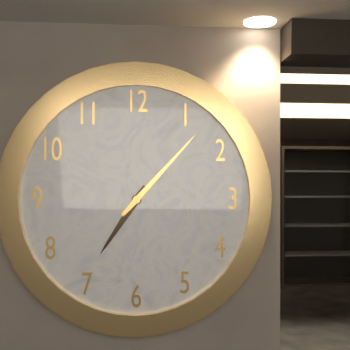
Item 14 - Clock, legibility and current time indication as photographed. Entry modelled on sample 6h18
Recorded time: 7h07
